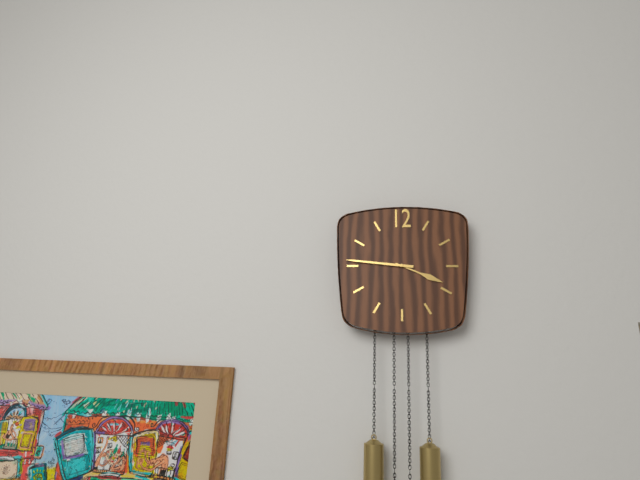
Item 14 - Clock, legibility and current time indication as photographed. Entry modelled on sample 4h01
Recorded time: 3h46
